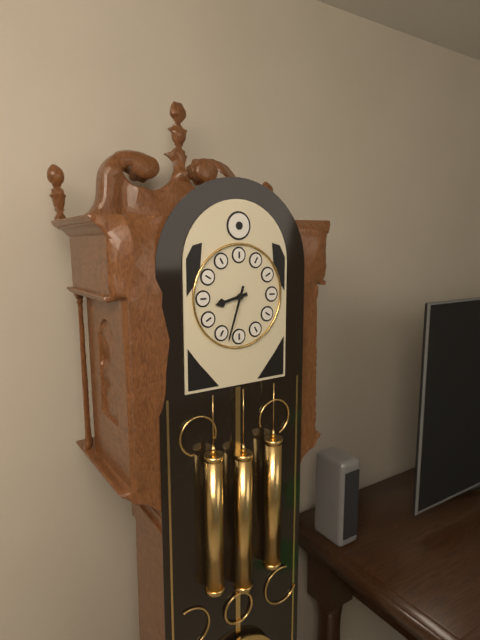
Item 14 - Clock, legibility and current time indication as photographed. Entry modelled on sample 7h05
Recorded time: 8h33
